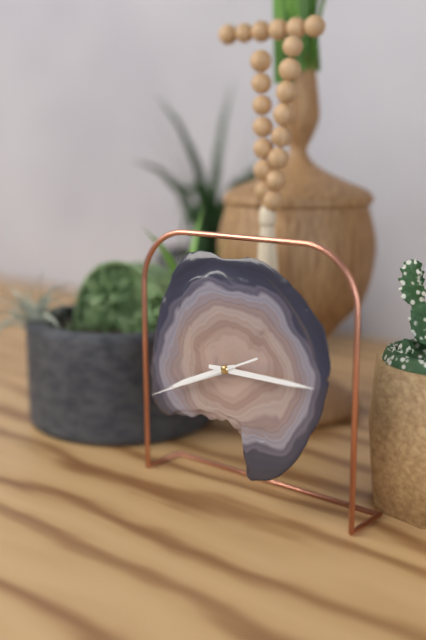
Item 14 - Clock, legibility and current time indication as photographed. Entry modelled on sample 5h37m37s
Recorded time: 8h15m41s
